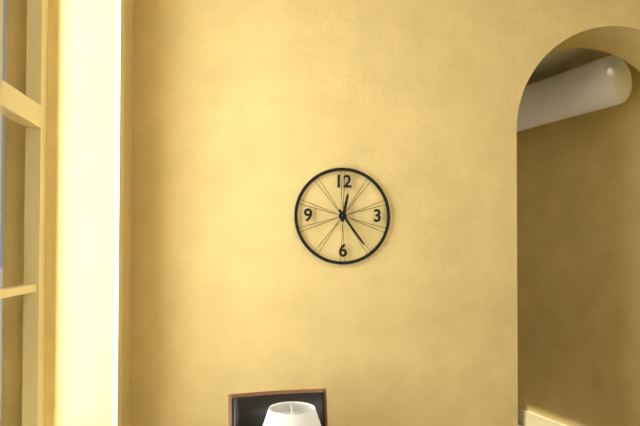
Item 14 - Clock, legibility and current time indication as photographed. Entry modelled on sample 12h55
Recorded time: 12h24
